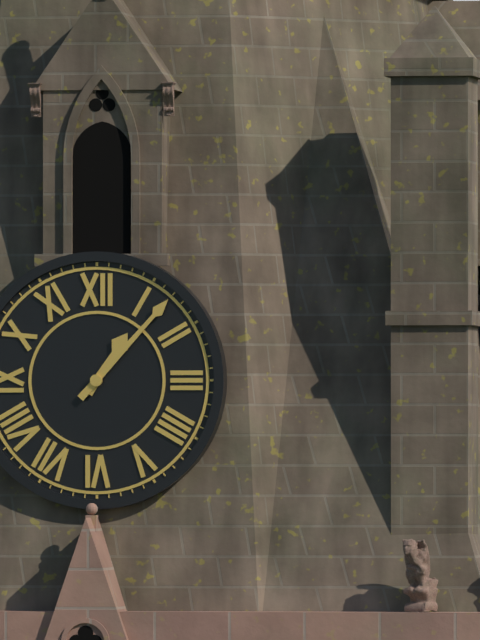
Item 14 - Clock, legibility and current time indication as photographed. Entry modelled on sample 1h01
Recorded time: 1h07
